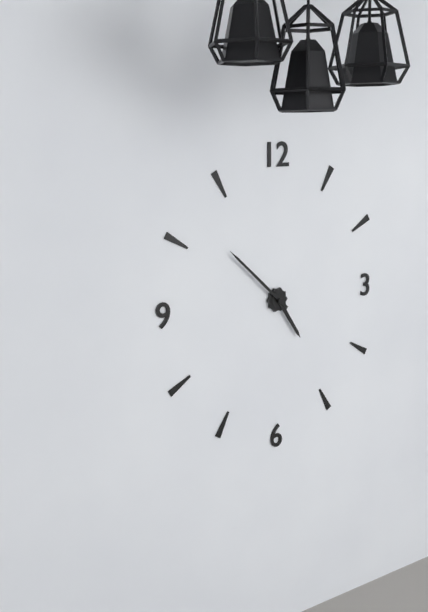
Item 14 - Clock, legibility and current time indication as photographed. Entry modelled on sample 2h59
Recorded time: 4h52
